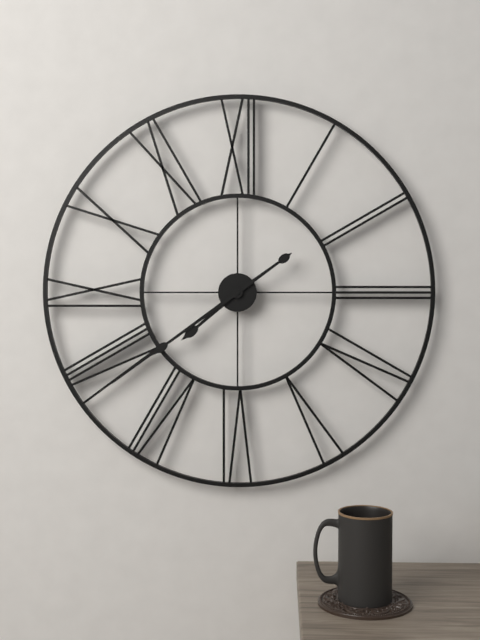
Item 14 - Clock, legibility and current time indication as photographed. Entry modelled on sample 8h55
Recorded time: 7h39
